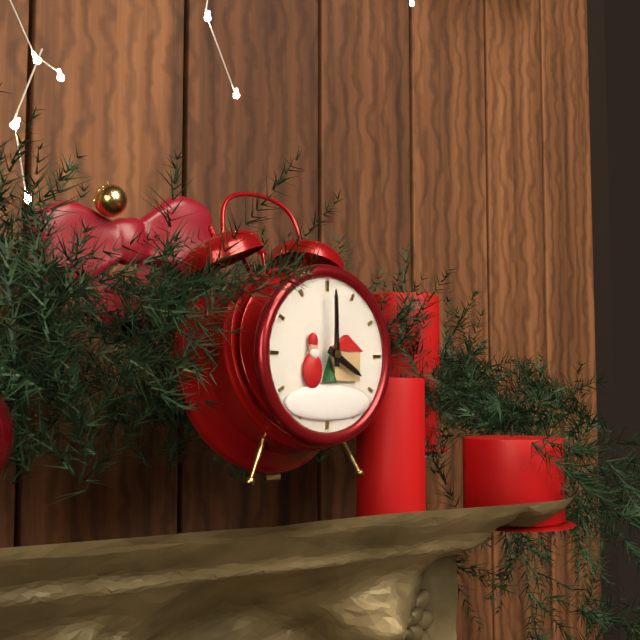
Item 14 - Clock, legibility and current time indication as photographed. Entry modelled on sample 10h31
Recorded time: 4h00
